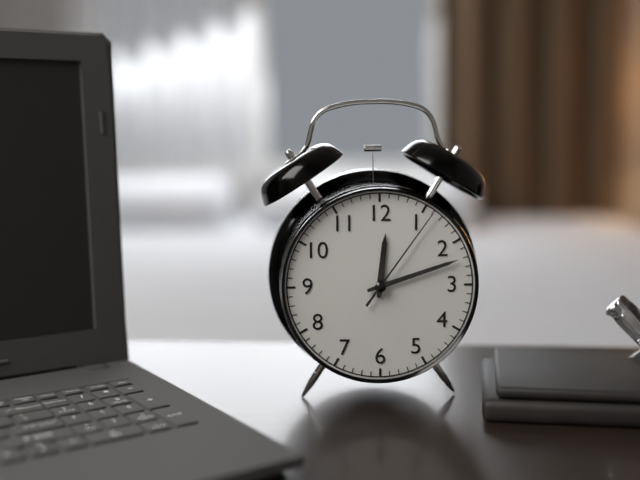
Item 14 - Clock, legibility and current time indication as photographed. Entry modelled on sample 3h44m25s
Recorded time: 12h12m06s
